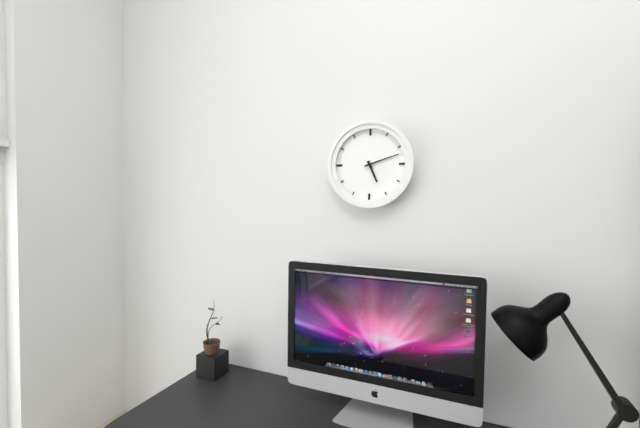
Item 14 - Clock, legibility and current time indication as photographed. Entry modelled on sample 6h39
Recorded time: 5h12
